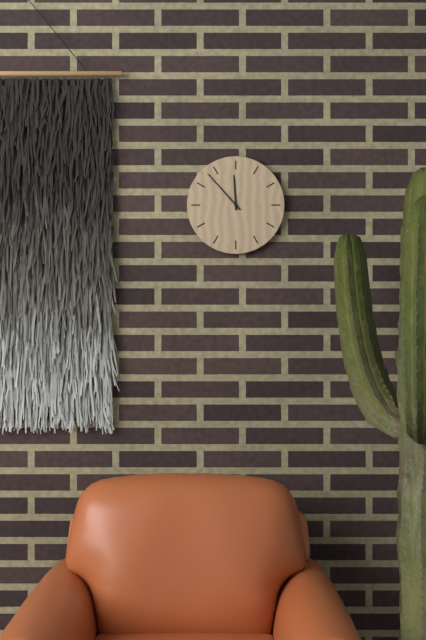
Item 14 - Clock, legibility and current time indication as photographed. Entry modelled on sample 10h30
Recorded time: 11h53
